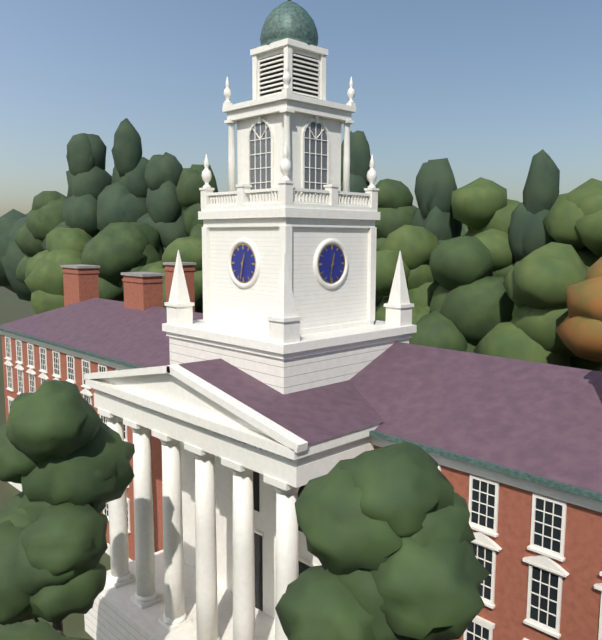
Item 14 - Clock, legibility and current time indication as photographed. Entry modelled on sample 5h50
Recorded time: 12h32
